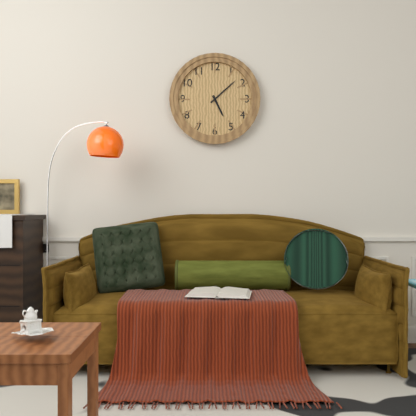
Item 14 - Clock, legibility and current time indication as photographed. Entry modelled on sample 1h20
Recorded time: 5h08
